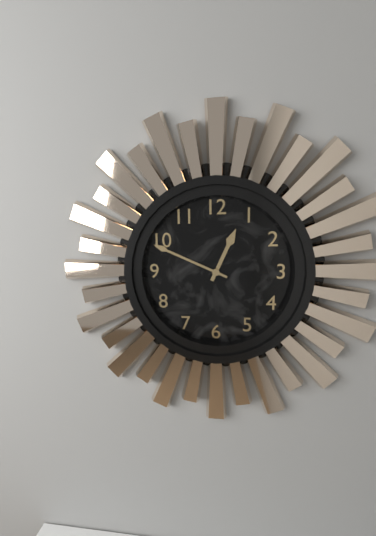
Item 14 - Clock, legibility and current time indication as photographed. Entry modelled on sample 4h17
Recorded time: 12h49
